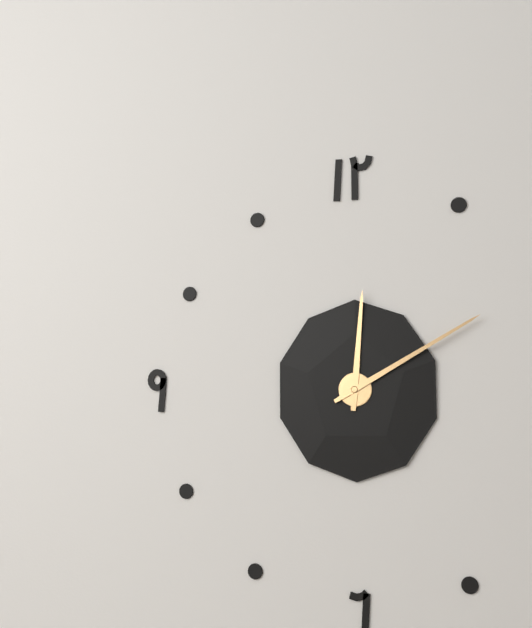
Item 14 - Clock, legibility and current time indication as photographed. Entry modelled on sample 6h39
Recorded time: 12h10
